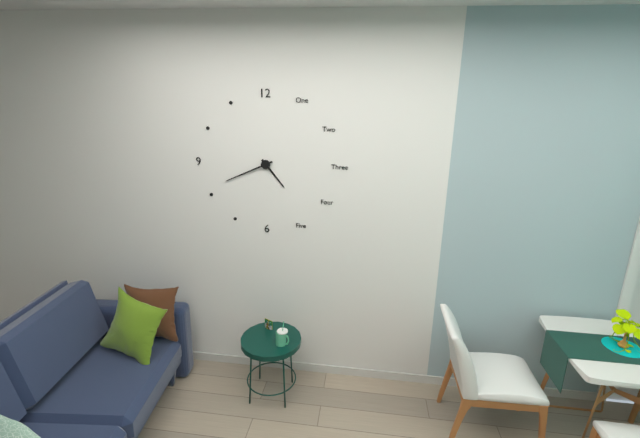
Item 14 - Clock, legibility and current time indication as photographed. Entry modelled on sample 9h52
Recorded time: 4h41
